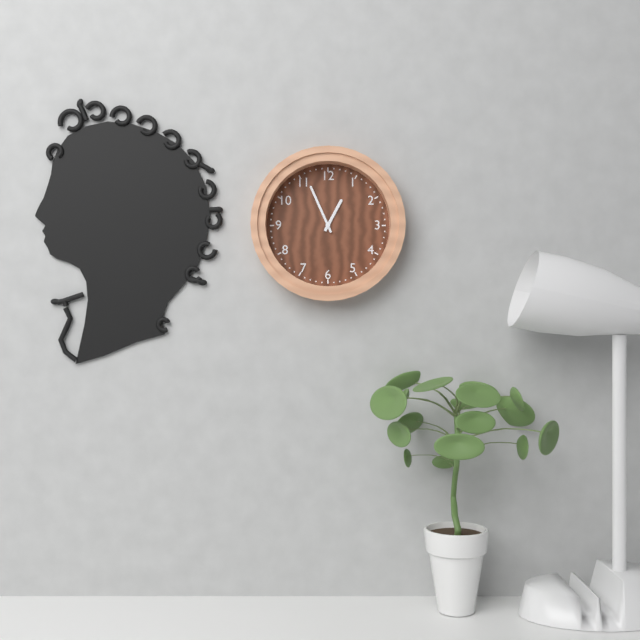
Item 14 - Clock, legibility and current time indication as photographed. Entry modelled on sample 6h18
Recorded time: 12h56
